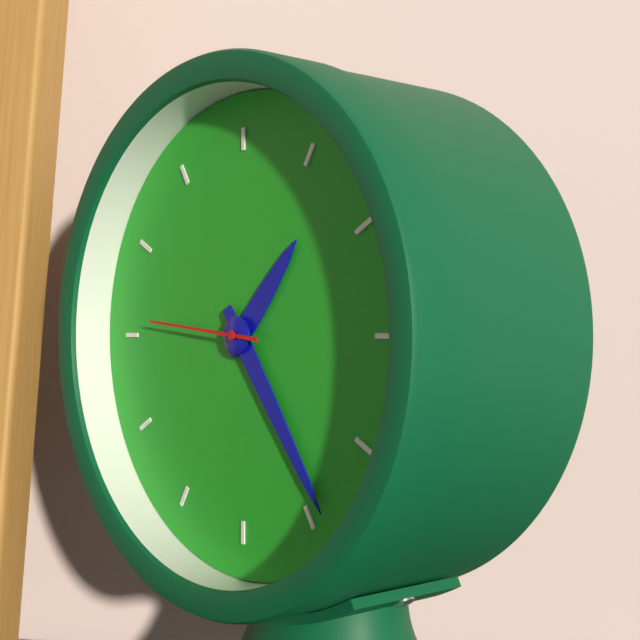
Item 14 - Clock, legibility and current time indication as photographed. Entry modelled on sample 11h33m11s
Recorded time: 1h24m46s
